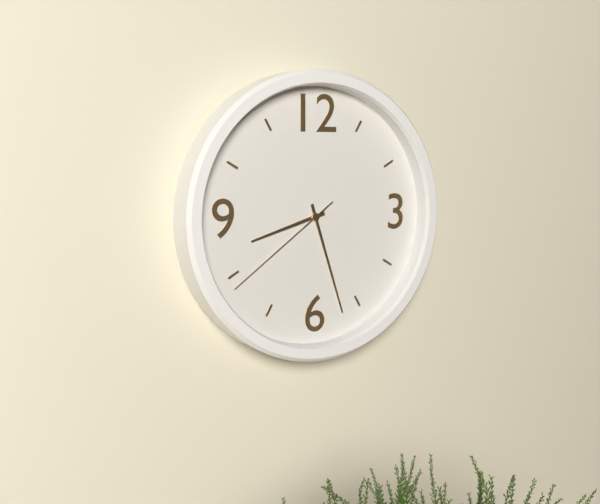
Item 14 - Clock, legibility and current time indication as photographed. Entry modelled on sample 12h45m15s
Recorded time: 8h27m39s
